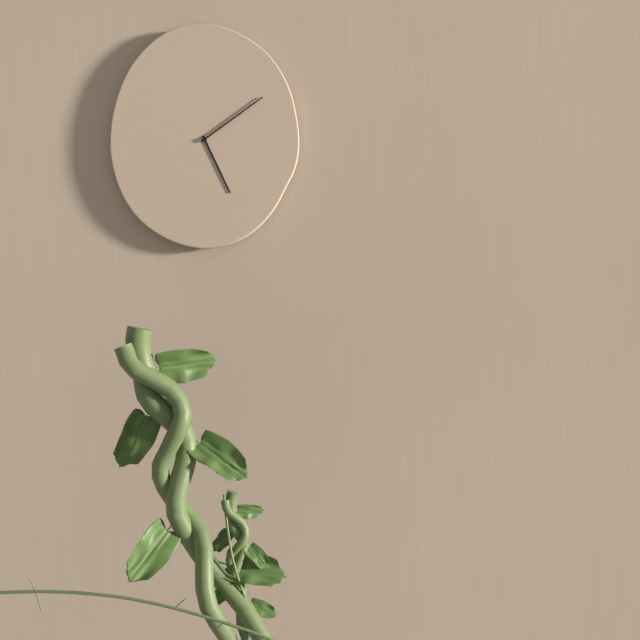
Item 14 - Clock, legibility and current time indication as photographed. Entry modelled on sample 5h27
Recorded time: 5h09
